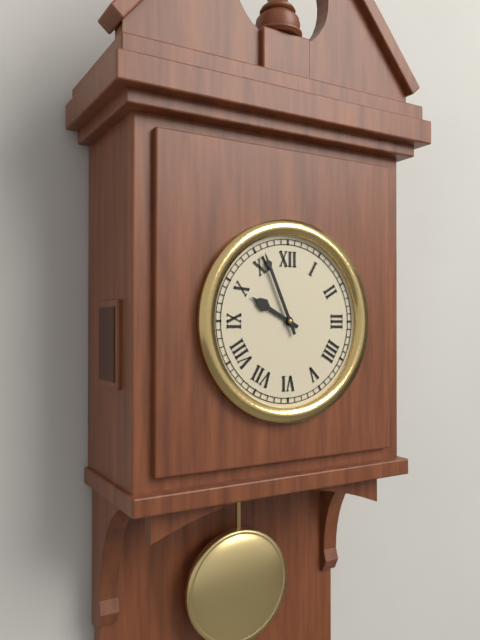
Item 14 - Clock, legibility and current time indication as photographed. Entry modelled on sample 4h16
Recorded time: 9h56
